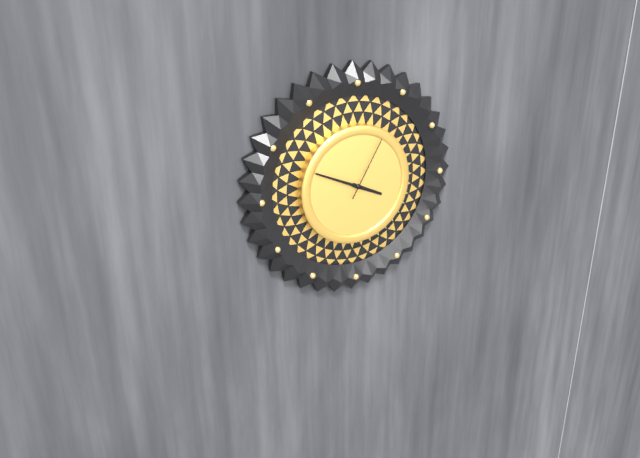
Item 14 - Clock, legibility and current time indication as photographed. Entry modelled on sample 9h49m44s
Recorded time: 3h49m05s
